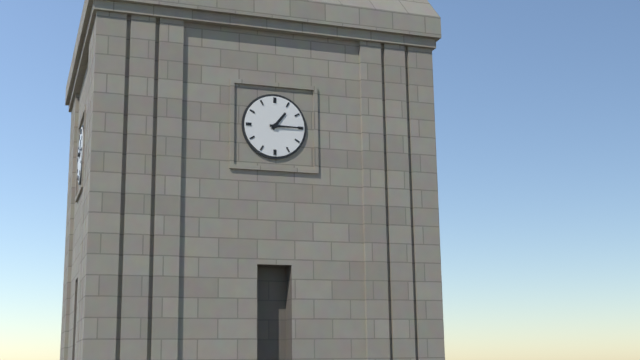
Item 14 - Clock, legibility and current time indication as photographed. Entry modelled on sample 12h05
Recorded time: 1h15
